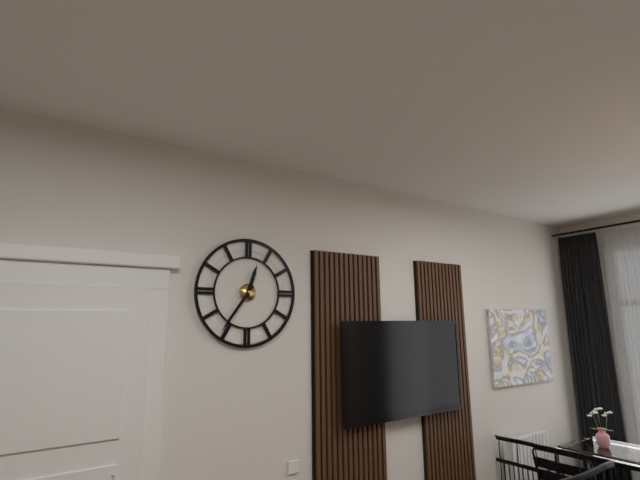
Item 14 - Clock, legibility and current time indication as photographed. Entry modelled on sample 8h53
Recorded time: 12h36
